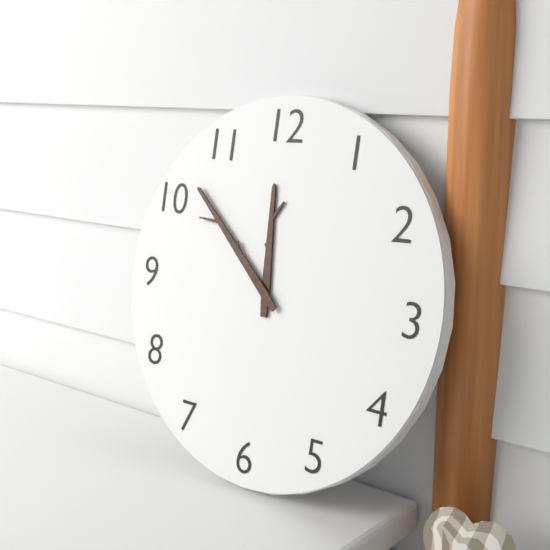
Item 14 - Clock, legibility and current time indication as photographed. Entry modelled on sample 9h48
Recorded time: 11h52
